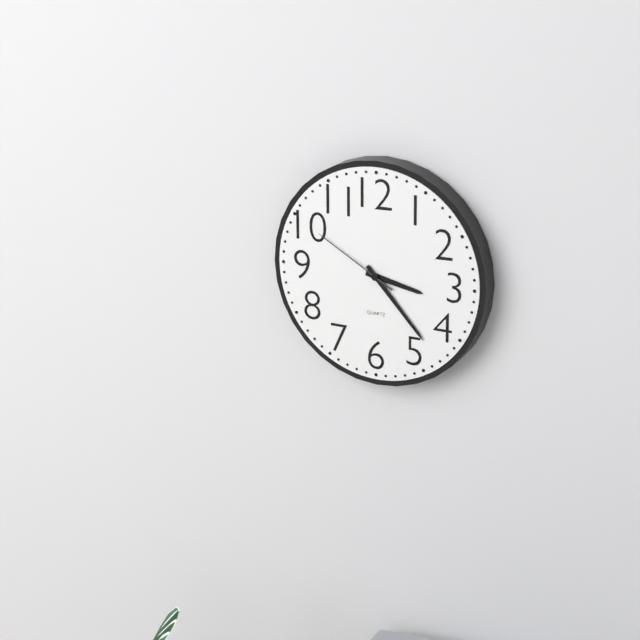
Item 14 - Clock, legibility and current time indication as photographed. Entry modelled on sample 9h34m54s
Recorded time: 3h23m50s
